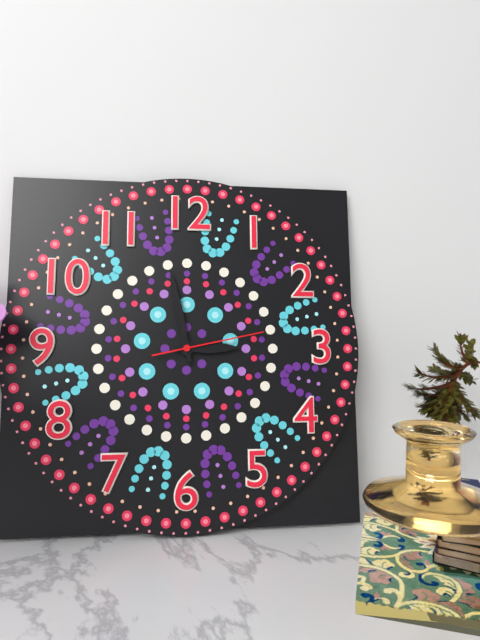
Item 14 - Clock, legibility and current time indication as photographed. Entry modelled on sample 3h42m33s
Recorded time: 2h58m13s
